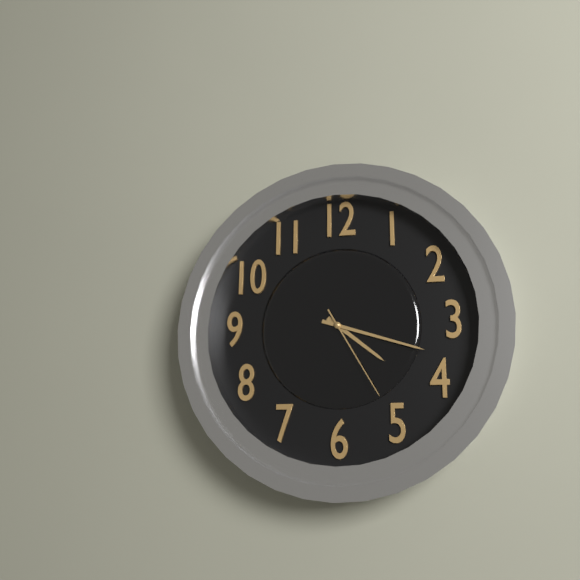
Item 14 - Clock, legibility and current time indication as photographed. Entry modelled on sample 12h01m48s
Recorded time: 4h18m25s
